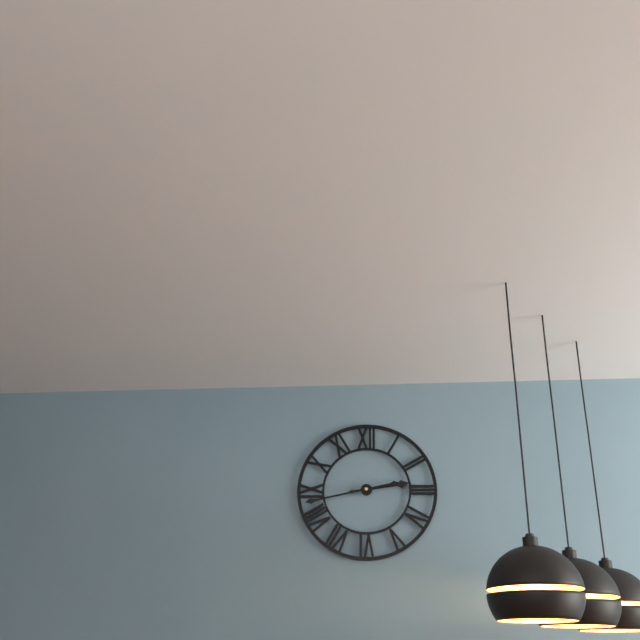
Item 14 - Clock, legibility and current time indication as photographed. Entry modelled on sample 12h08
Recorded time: 2h43
